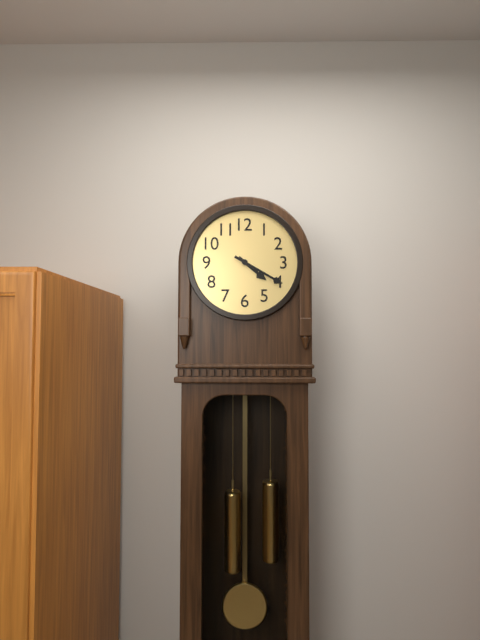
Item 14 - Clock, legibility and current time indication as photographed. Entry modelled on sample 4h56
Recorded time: 4h20
